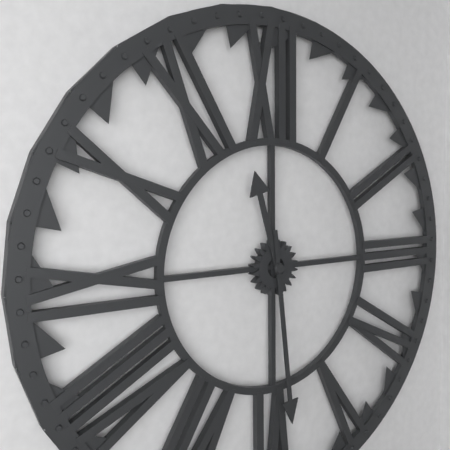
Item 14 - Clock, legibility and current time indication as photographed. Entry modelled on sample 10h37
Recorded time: 11h29
